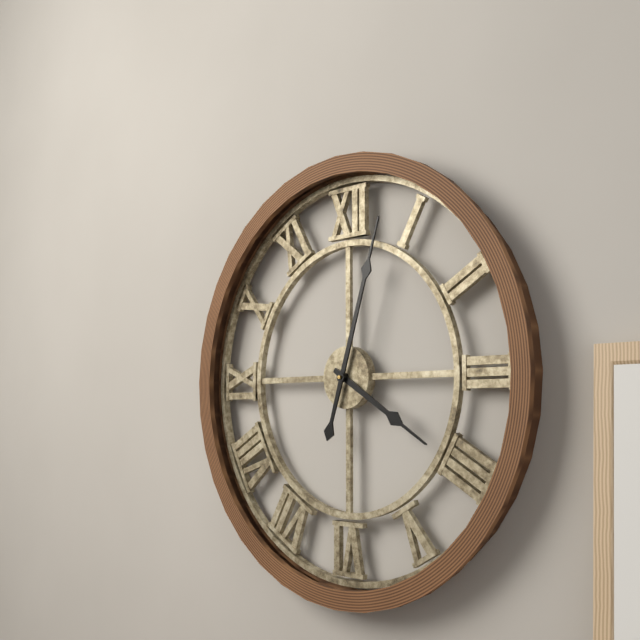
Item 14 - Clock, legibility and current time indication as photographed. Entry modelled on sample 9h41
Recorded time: 4h03
